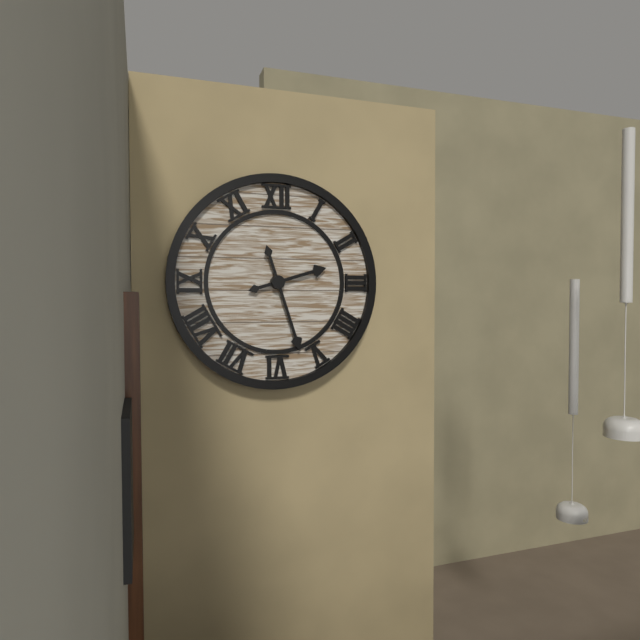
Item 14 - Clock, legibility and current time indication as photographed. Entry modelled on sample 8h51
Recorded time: 2h27
